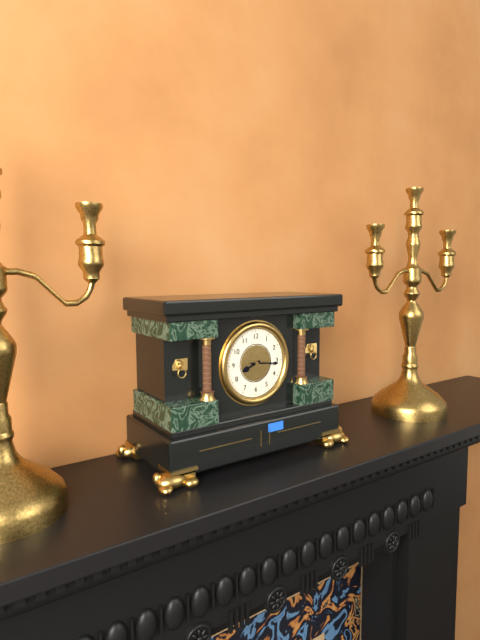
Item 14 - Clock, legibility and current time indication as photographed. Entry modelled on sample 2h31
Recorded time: 8h16
